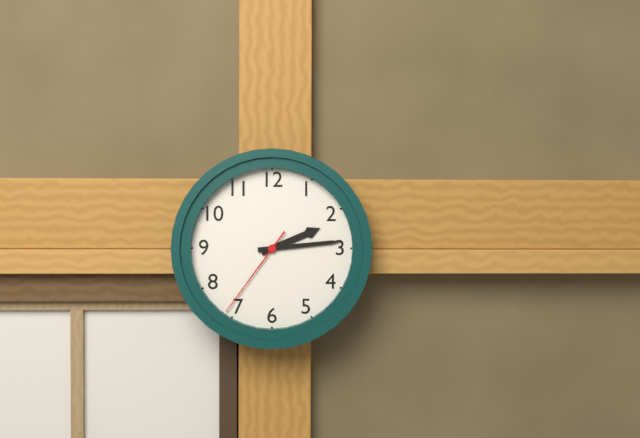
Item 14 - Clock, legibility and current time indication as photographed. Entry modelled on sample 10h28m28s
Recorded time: 2h14m36s
